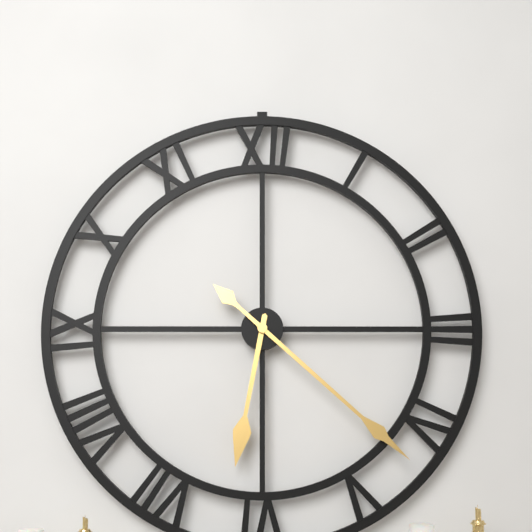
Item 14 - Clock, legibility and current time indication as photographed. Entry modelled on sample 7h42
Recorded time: 6h22
